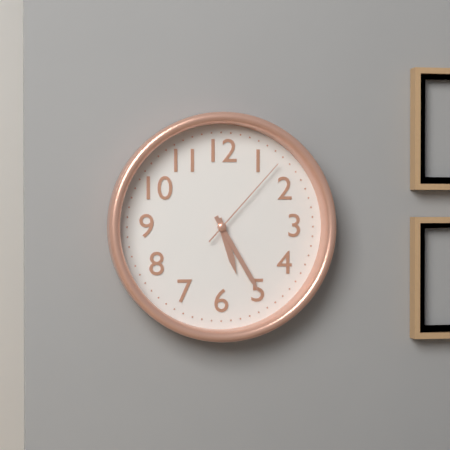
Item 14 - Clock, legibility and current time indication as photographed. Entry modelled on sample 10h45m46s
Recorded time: 5h25m07s
